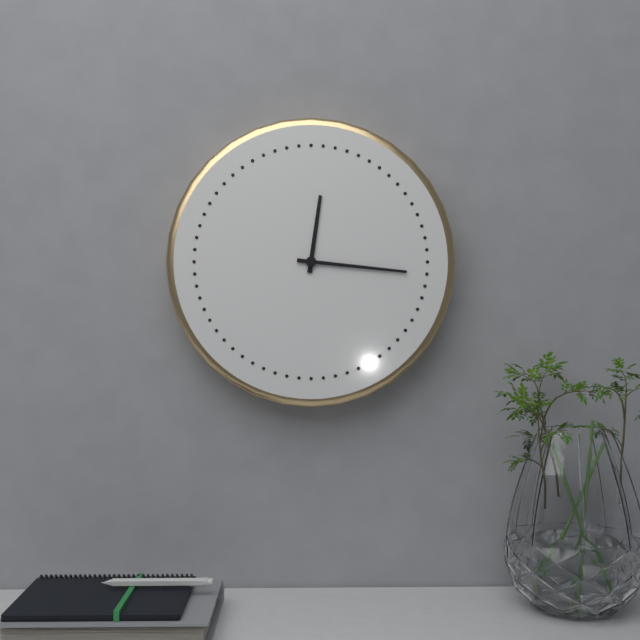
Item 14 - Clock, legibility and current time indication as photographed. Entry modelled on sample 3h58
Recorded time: 12h16
